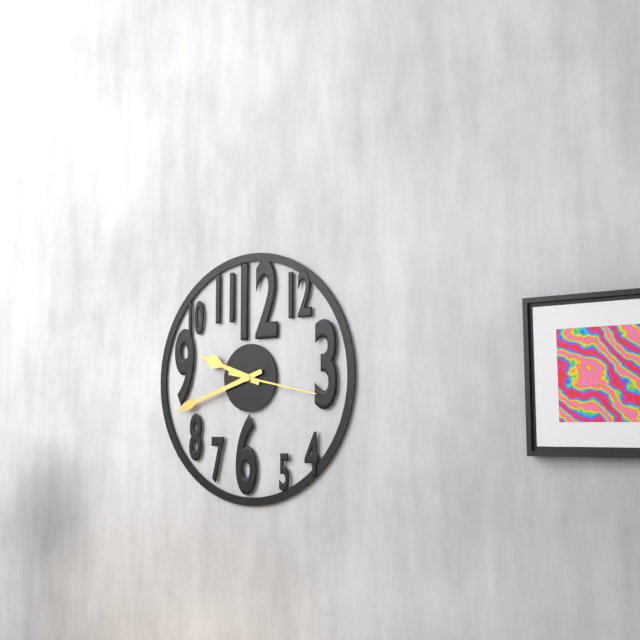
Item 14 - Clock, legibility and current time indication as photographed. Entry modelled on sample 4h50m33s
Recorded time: 9h42m17s
